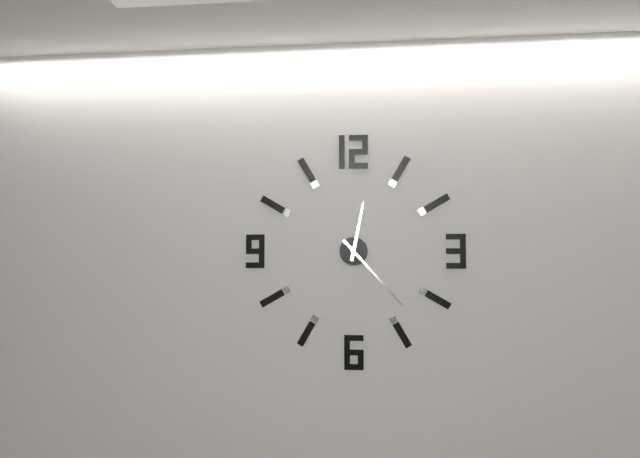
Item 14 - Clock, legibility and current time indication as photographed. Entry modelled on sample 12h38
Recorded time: 12h23
